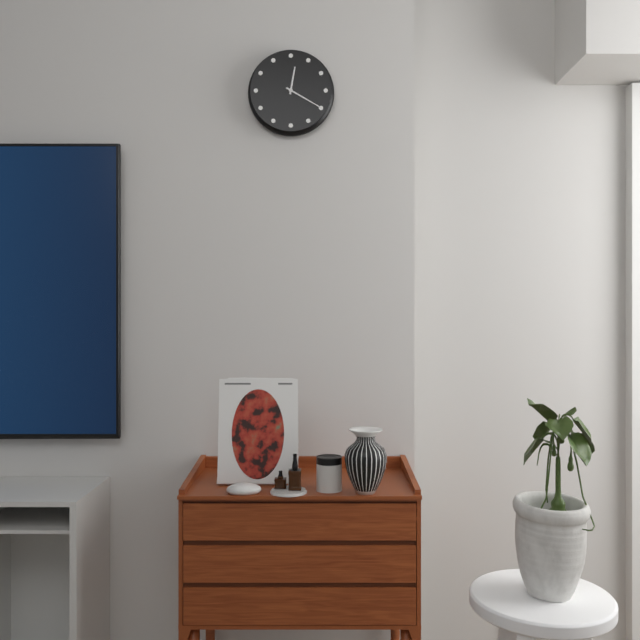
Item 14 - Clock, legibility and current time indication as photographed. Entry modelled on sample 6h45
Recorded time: 12h20
